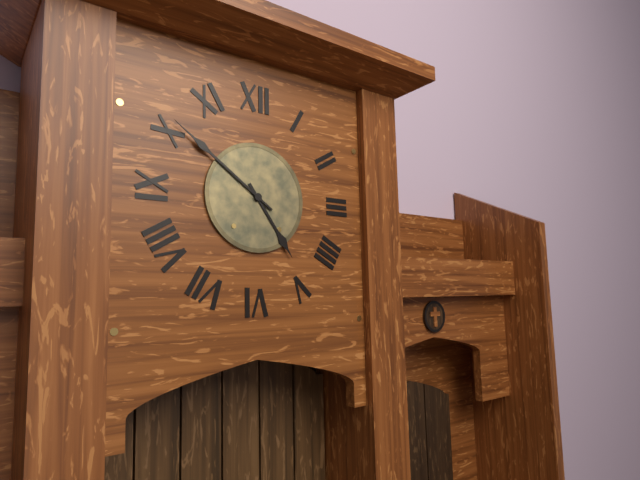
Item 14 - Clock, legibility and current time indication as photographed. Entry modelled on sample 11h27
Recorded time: 4h51
